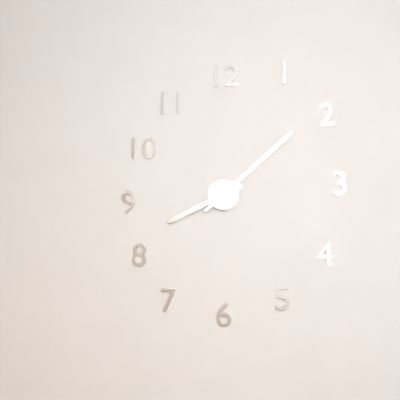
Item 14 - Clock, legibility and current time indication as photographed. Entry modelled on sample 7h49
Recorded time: 8h08
